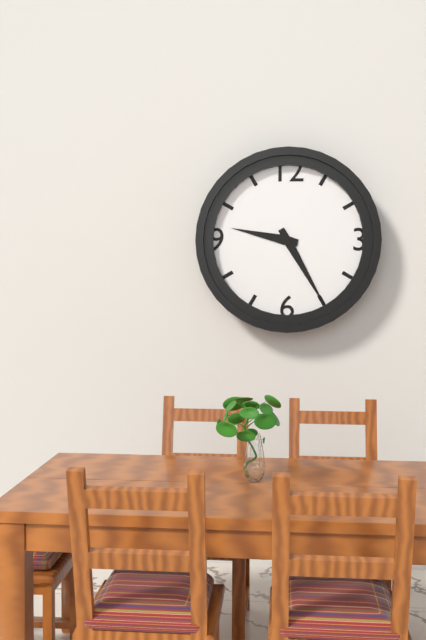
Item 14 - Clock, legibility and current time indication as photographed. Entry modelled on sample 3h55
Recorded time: 9h25
